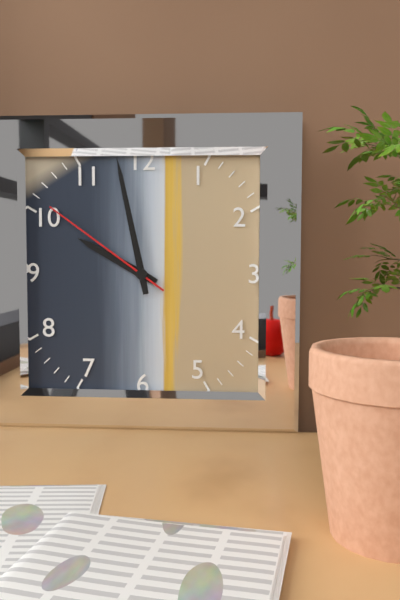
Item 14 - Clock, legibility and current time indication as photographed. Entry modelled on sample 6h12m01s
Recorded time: 9h58m51s
